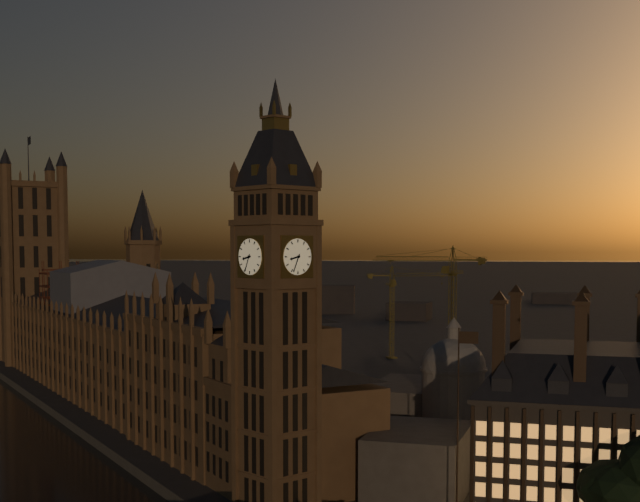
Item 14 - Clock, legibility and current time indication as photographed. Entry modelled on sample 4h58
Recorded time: 8h34
